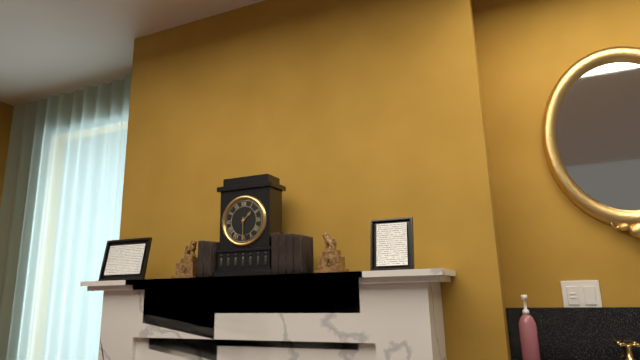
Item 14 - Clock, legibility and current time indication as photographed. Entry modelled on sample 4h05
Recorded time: 1h30
